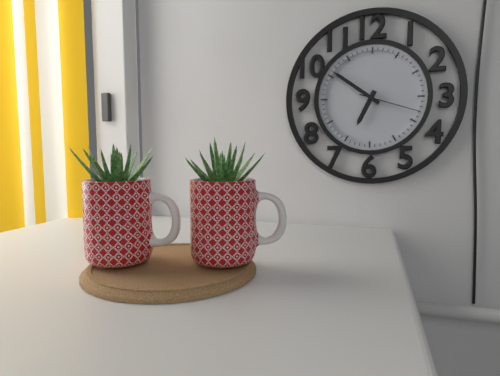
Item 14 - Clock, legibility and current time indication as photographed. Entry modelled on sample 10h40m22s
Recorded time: 6h51m18s
